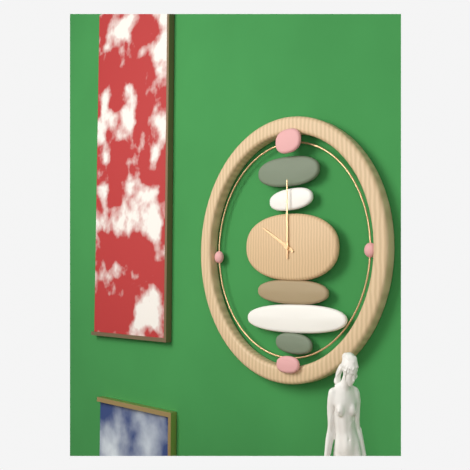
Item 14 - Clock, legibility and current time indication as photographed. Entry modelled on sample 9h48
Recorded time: 10h00
